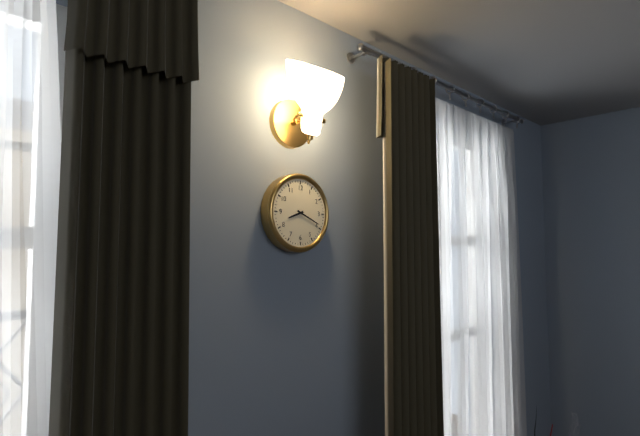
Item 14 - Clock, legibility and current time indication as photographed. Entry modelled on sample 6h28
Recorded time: 8h19
